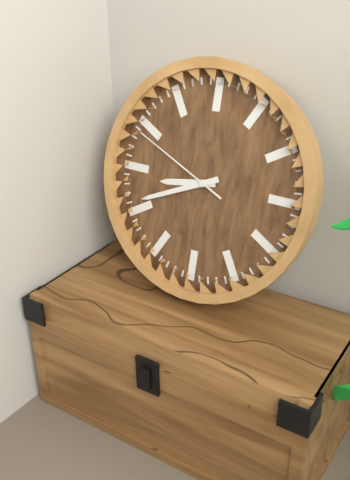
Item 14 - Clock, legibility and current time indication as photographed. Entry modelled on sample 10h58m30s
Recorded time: 8h41m49s
